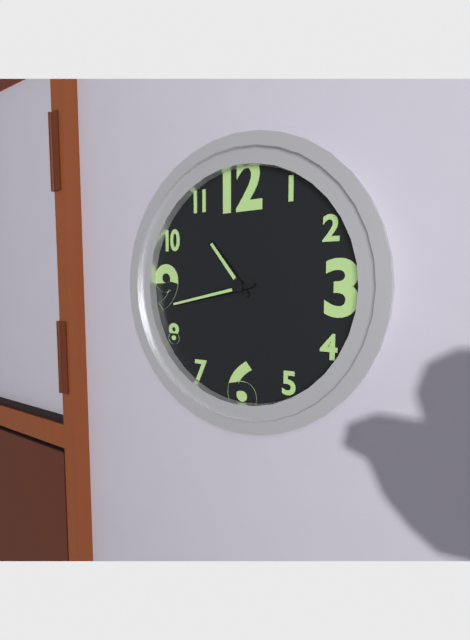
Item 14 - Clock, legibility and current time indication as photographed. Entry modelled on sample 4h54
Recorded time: 10h43
